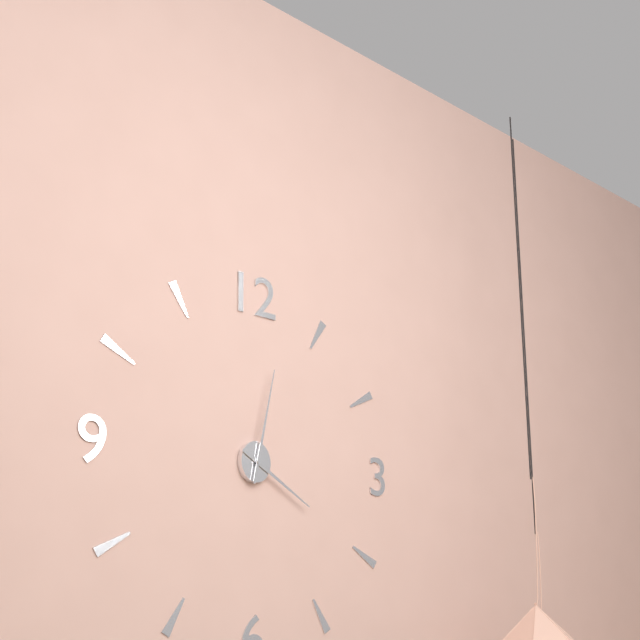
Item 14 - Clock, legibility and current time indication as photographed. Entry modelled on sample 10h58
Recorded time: 4h02
